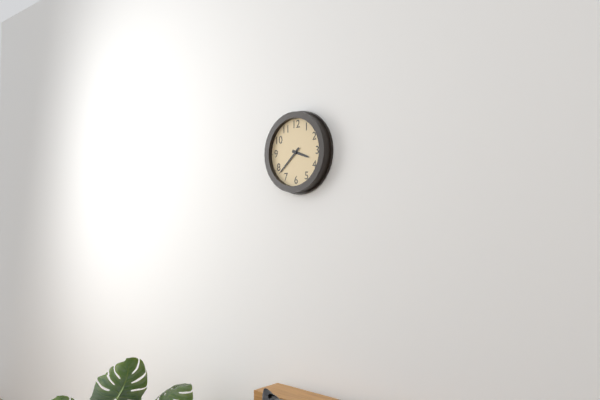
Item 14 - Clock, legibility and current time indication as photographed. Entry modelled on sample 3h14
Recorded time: 3h38
